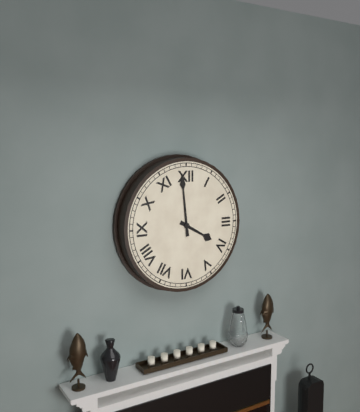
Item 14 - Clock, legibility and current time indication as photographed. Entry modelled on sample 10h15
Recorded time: 3h59
